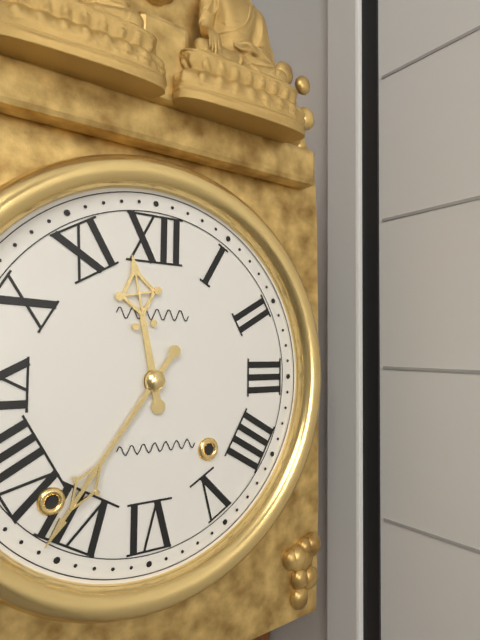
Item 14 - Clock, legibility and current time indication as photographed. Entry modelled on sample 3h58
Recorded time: 11h36
